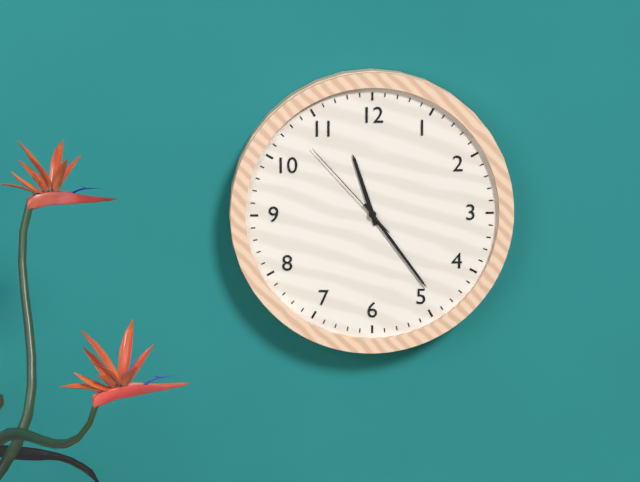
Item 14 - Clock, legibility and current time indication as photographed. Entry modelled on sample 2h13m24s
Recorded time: 11h24m53s
